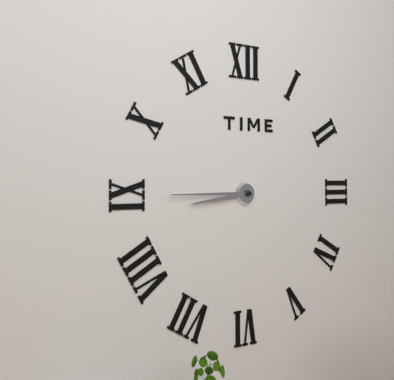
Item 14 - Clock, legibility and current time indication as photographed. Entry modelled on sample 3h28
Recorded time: 8h45
